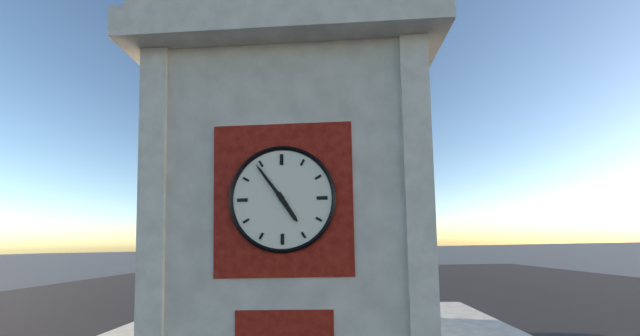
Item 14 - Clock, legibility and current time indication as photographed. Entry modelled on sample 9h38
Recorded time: 4h54
